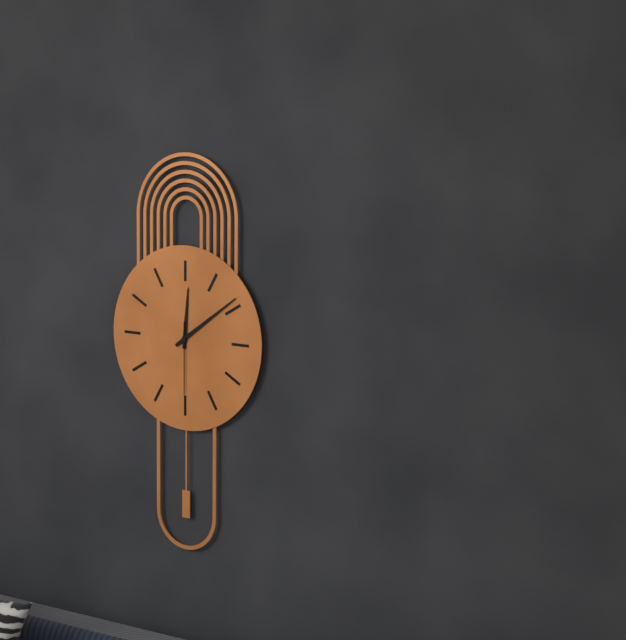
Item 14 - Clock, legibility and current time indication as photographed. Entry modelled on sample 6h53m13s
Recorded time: 12h09m30s
